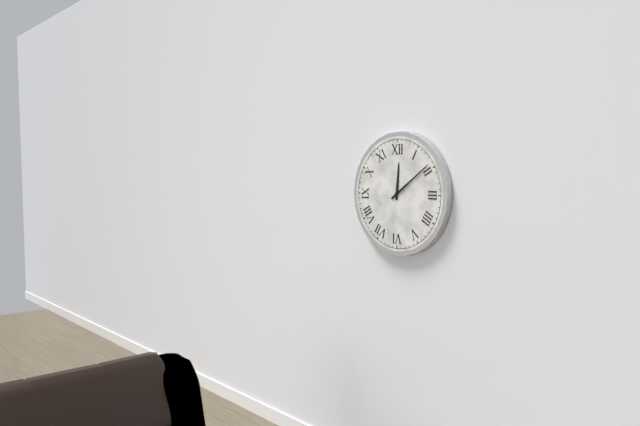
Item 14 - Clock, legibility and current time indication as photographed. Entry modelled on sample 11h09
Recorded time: 12h09
